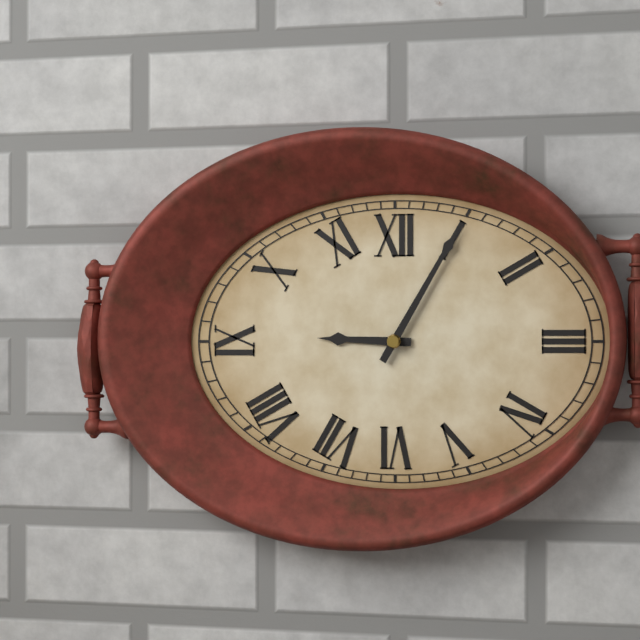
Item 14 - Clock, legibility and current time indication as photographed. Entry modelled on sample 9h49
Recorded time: 9h05
